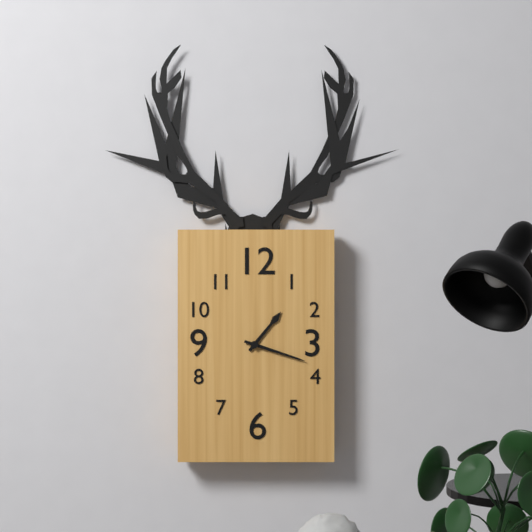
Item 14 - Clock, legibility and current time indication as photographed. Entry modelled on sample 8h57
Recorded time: 1h18
